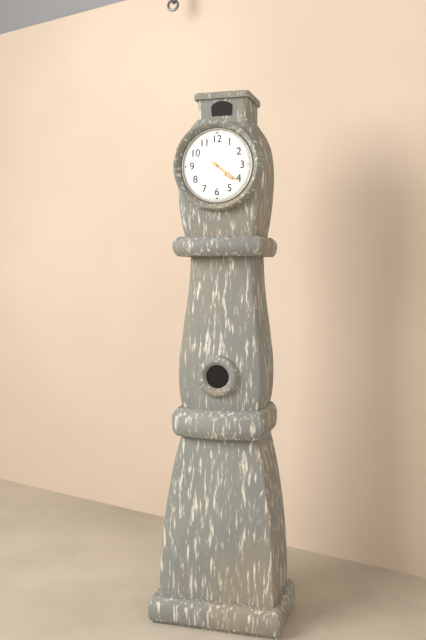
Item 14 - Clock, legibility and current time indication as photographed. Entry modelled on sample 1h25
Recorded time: 4h21
